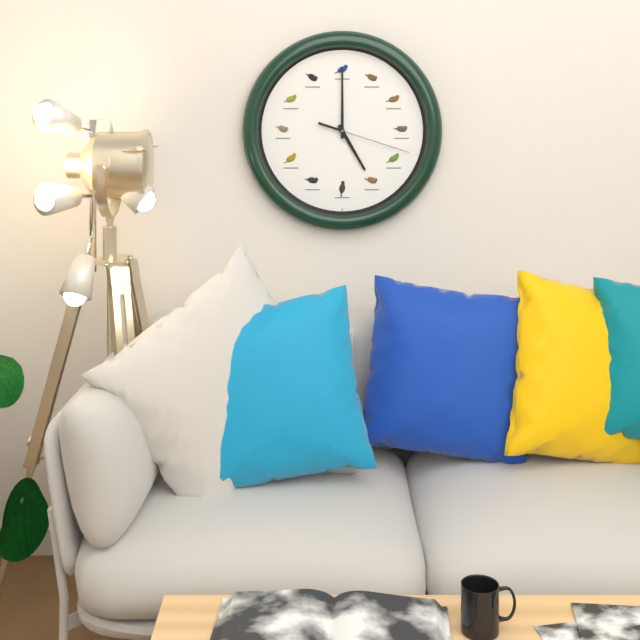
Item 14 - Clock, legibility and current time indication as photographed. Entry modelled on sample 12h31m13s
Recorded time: 5h00m18s
